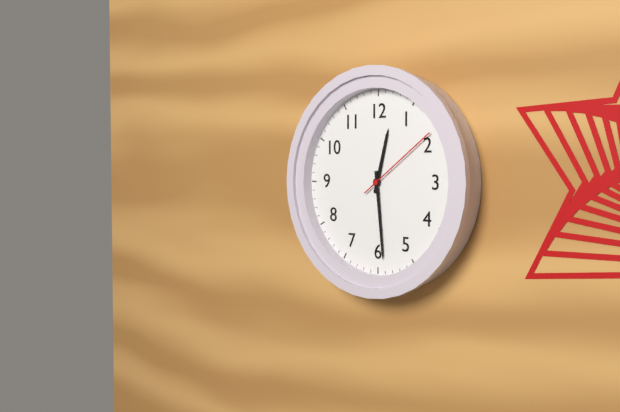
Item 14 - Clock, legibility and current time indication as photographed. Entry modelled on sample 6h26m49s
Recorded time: 12h29m09s
